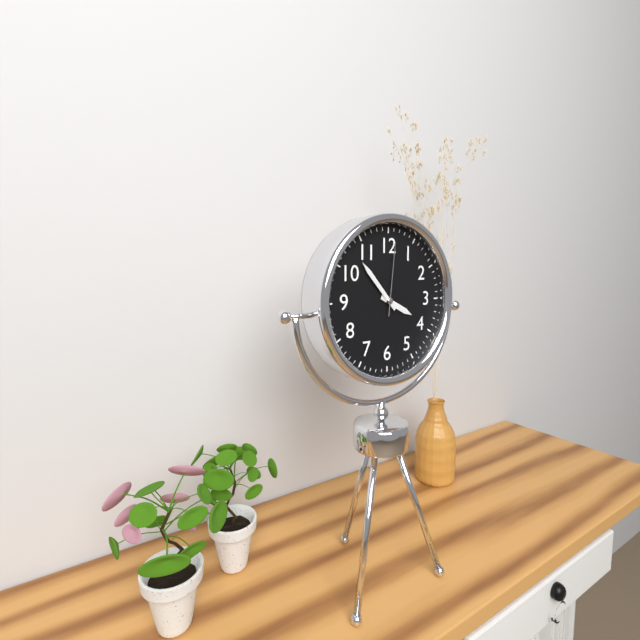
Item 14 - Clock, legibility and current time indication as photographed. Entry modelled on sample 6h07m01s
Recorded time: 3h53m01s
